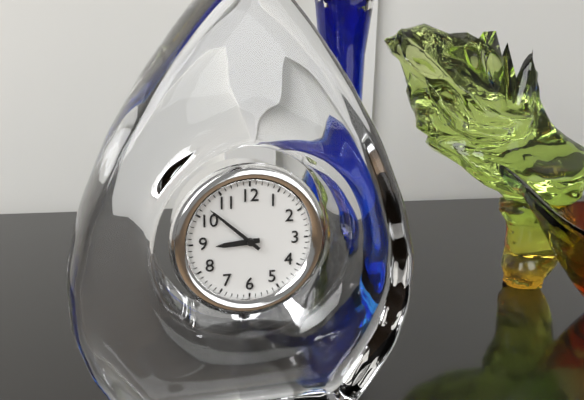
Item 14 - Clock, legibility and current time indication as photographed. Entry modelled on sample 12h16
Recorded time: 8h52
